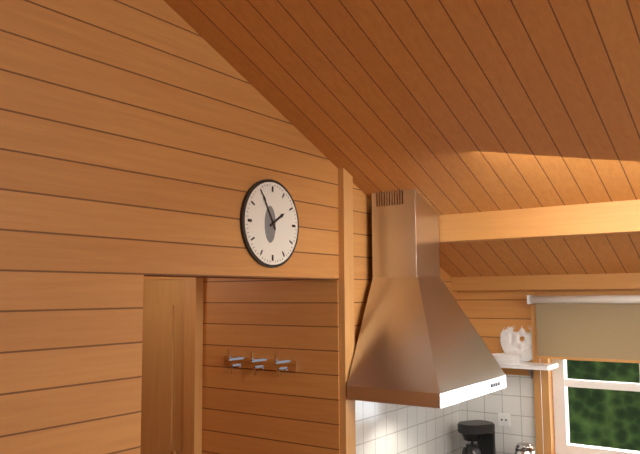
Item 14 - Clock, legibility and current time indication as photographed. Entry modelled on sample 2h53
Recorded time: 1h55
